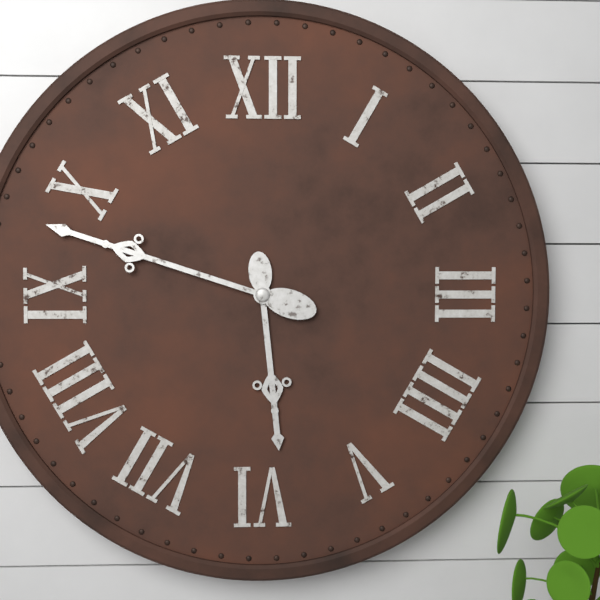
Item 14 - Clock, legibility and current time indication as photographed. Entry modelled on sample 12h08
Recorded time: 5h48
